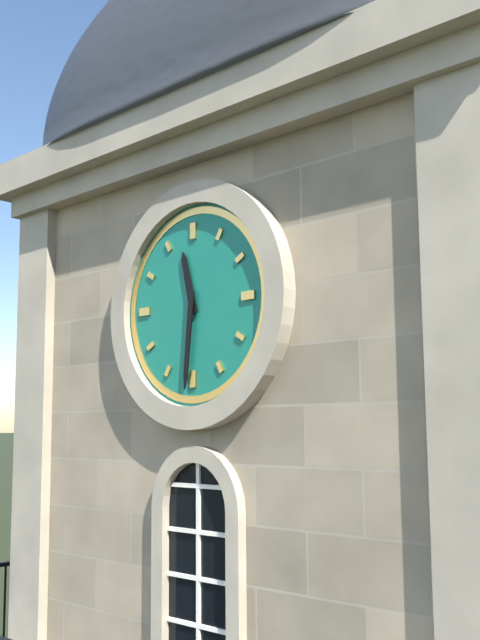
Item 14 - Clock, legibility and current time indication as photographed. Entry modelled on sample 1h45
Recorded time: 11h31
